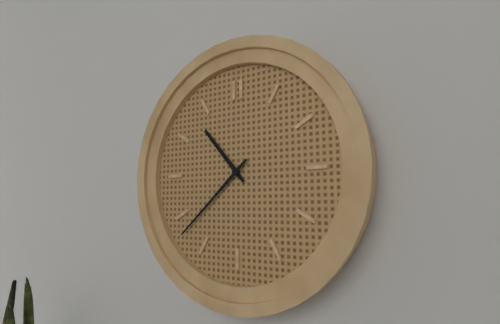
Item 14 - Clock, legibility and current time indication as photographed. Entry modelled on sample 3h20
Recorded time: 10h38
